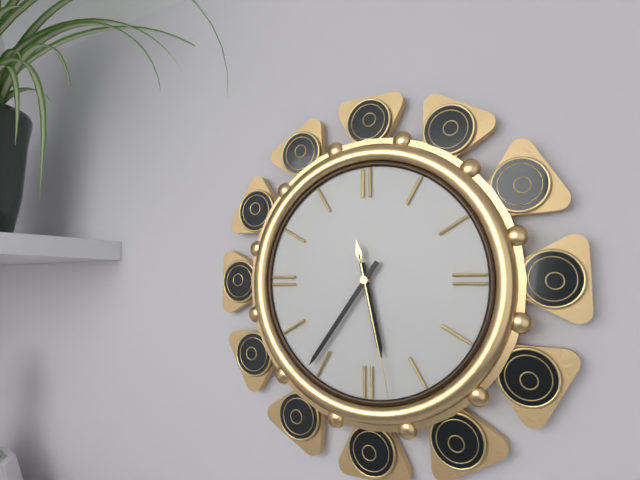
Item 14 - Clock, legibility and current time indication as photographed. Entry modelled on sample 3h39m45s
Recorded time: 5h36m28s
